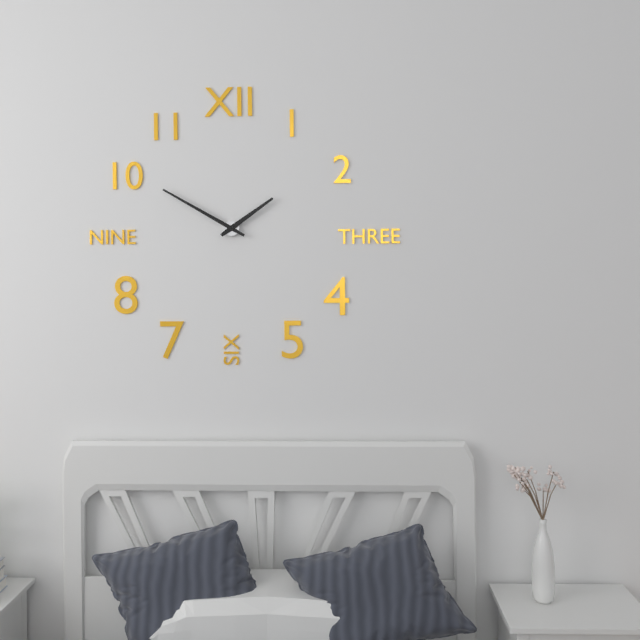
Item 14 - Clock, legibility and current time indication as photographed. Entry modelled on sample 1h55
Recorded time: 1h50
